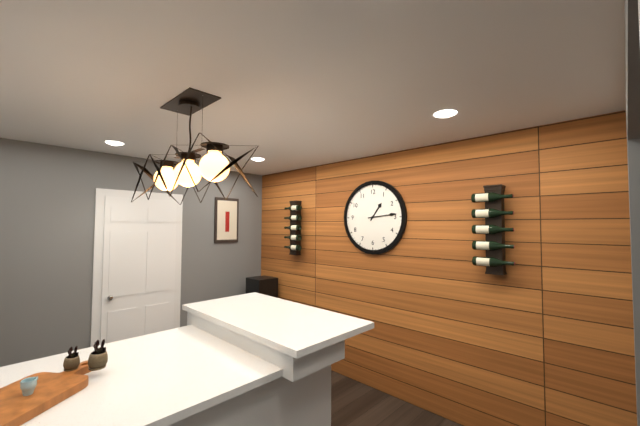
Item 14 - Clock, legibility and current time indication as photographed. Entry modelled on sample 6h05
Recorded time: 1h14
